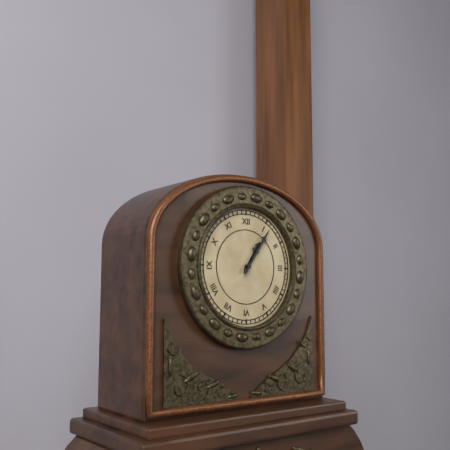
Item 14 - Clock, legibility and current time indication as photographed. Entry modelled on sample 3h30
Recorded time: 1h06
